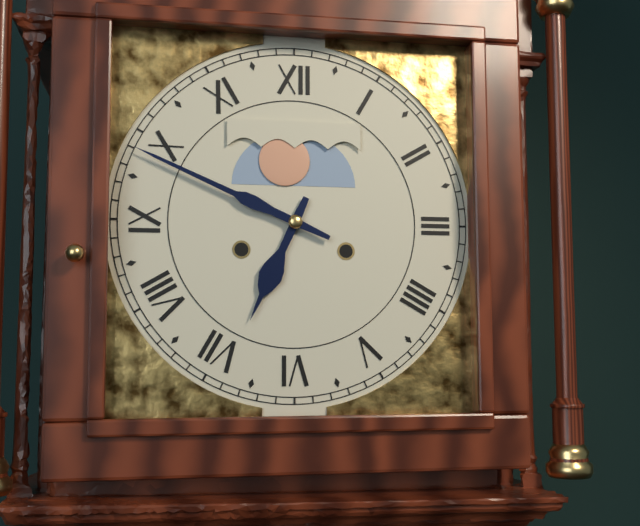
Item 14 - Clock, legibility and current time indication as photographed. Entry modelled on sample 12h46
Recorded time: 6h49
